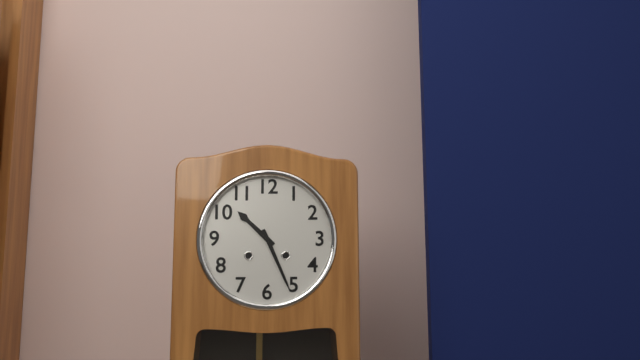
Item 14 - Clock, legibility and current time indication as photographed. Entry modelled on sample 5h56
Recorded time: 10h26
